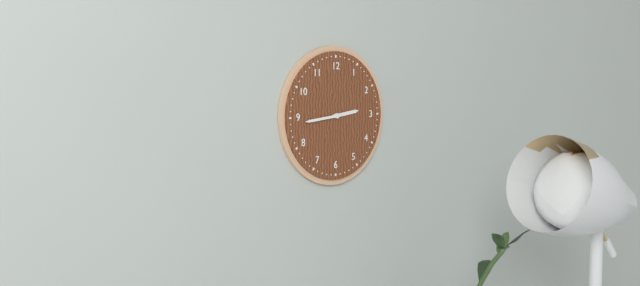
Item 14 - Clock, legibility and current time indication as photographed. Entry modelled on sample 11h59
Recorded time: 2h44
